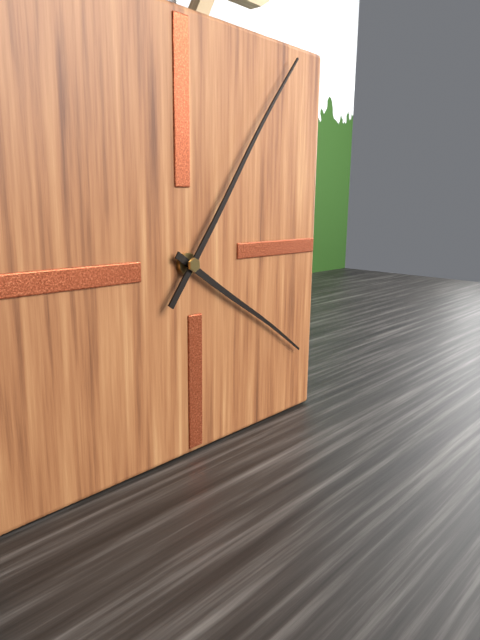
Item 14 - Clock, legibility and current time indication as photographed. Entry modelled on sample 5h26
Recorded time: 4h06
